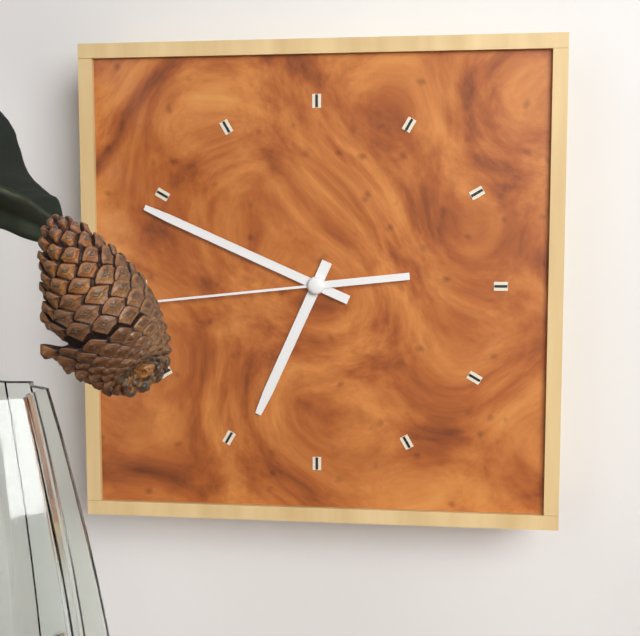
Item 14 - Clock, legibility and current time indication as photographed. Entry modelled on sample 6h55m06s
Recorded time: 6h49m44s
